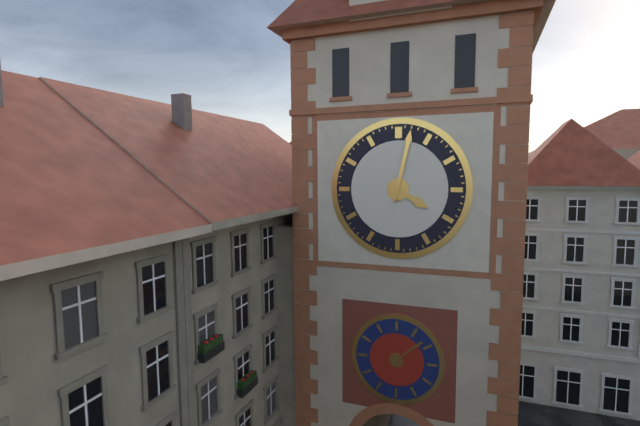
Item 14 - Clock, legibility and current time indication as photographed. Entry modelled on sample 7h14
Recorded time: 4h02
